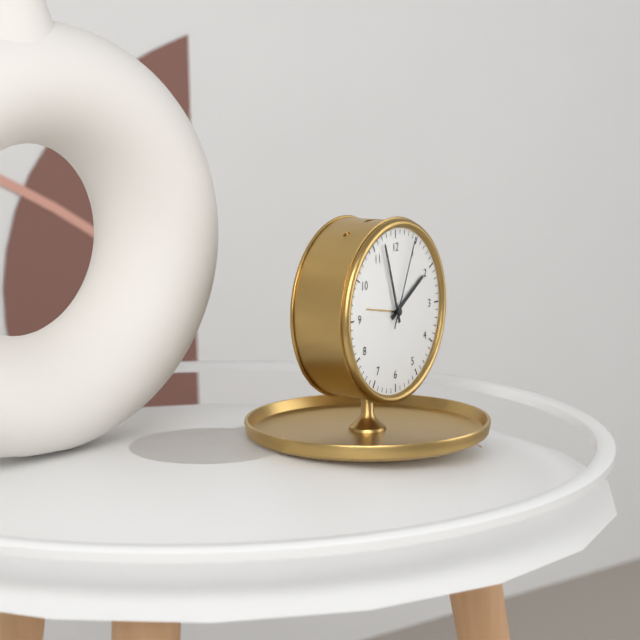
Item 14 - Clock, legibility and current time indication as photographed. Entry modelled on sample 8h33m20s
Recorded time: 1h57m04s
